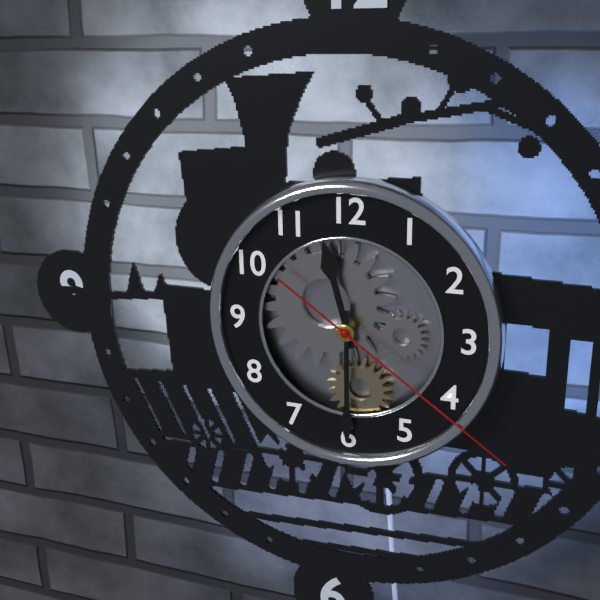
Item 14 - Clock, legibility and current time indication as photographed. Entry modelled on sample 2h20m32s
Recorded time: 11h30m21s
